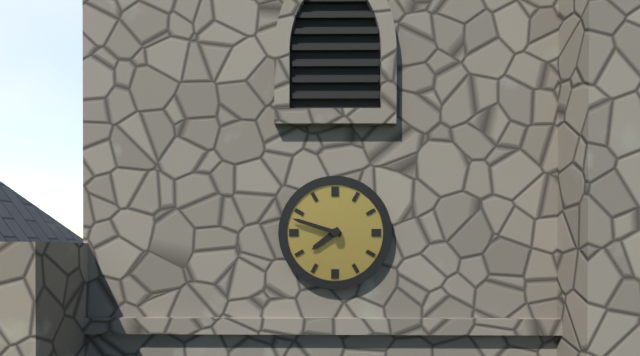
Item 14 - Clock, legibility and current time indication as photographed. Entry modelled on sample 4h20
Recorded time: 7h48
